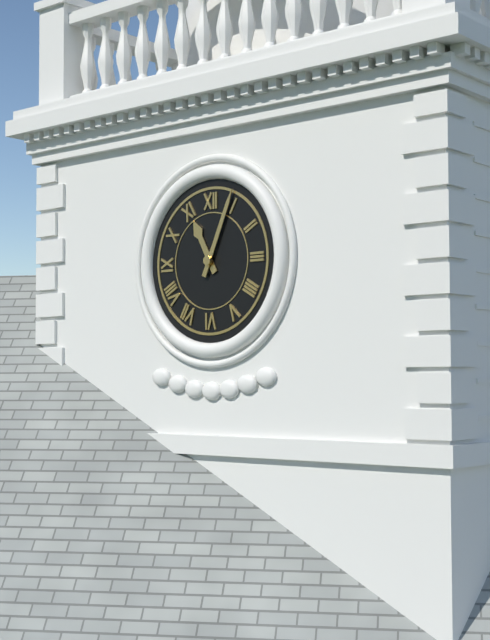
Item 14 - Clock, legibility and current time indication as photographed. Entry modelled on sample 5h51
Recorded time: 11h04
